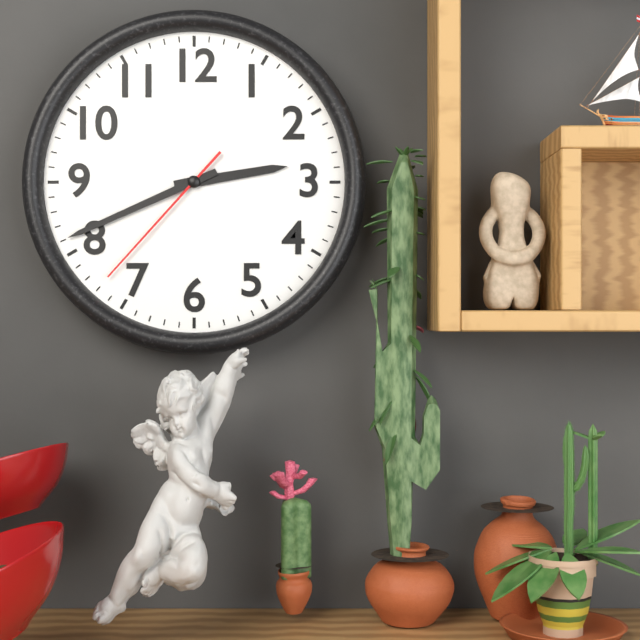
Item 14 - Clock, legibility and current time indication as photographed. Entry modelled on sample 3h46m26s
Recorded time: 2h41m37s
